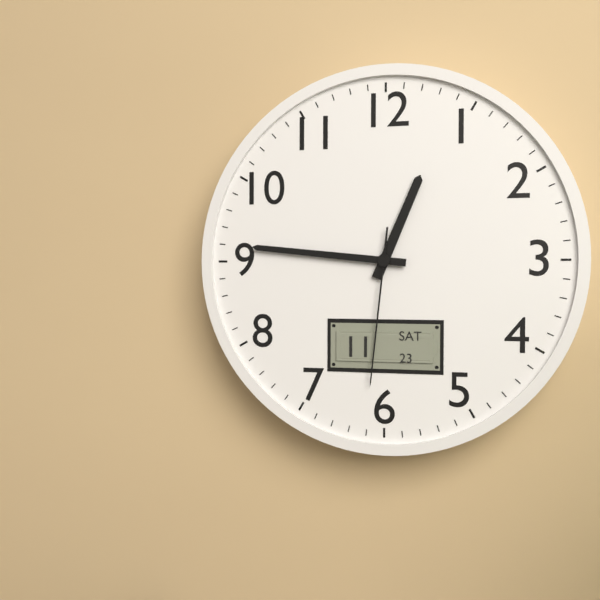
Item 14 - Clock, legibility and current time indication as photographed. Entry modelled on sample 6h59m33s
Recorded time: 12h46m31s
